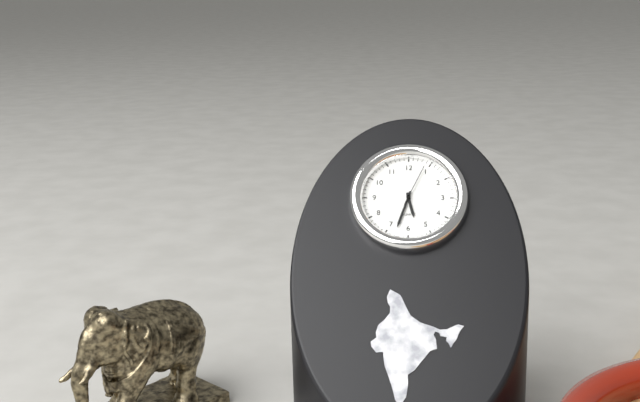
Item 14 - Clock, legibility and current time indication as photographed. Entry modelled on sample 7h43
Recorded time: 5h33
